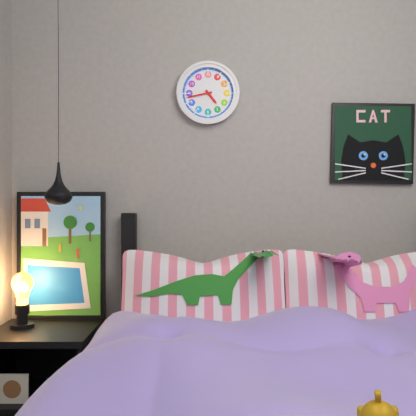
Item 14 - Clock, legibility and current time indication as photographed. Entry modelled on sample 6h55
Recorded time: 4h43
